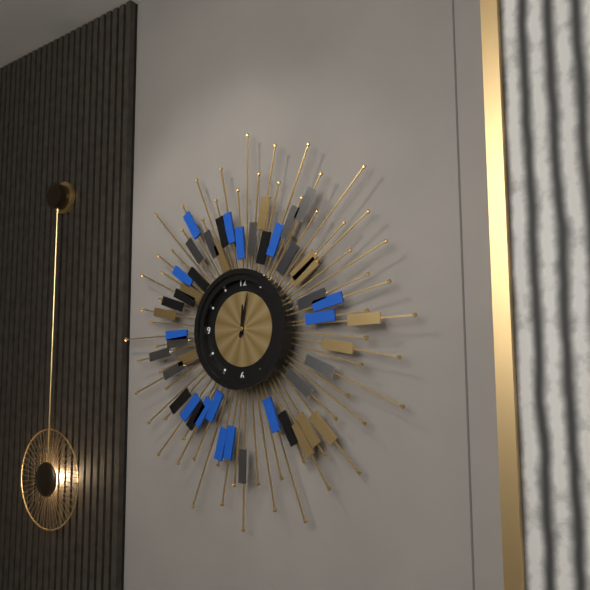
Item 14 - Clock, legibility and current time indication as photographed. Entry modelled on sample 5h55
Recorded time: 12h02
